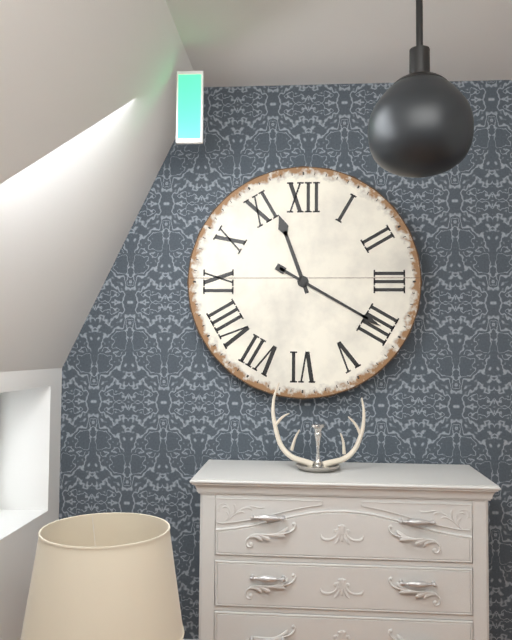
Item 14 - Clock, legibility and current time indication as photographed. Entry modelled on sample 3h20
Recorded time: 11h20
